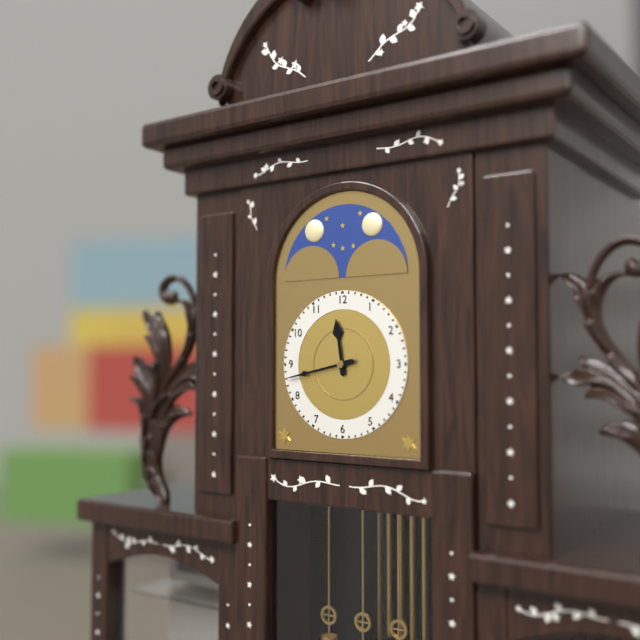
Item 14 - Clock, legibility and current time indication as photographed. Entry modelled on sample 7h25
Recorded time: 11h43
